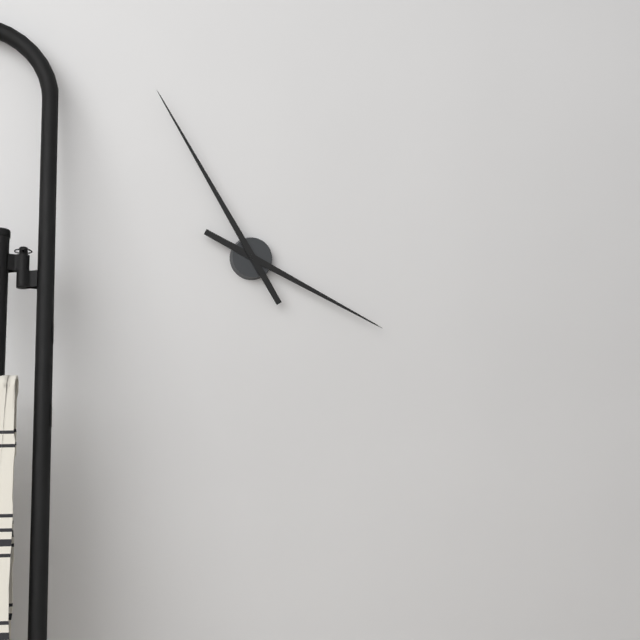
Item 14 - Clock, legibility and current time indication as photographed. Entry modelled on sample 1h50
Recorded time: 3h55
